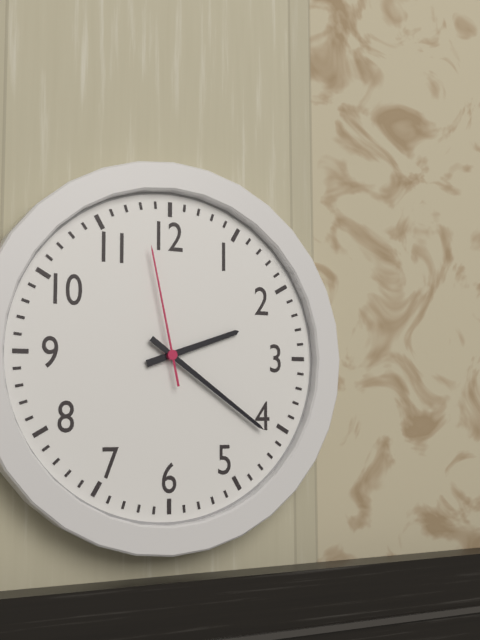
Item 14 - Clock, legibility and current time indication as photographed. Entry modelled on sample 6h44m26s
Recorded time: 2h21m58s
